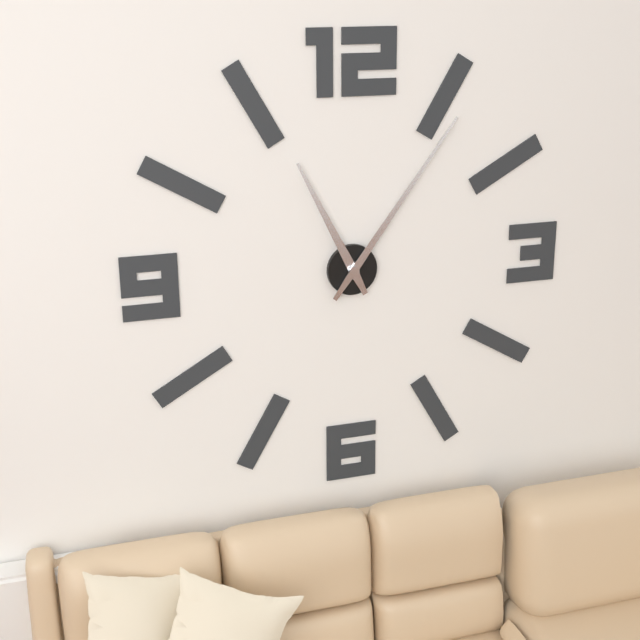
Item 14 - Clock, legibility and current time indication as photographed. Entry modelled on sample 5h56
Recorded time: 11h06
